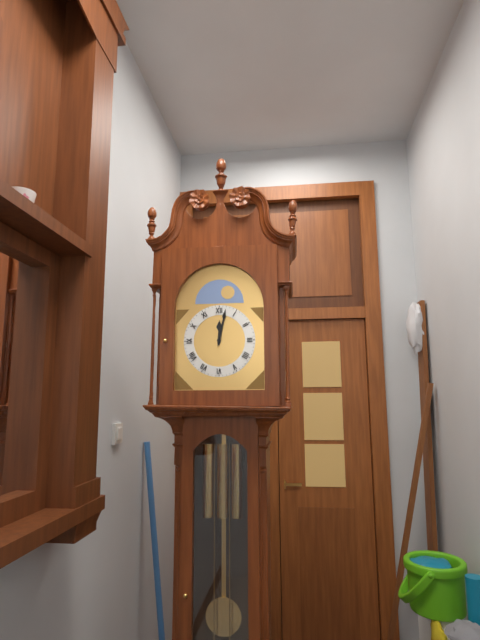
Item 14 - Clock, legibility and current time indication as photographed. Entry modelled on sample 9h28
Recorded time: 12h02
